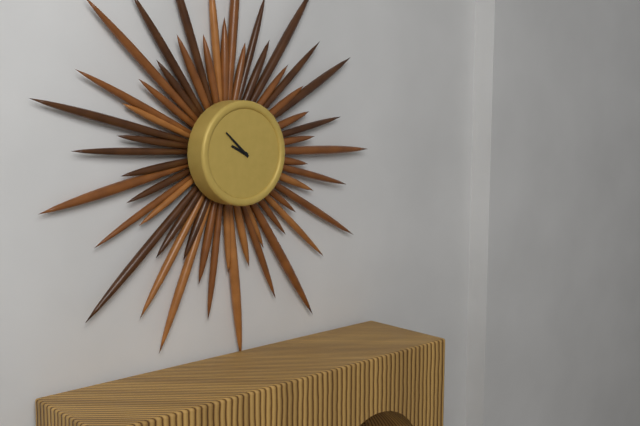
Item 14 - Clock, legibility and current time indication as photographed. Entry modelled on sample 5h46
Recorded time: 9h52
